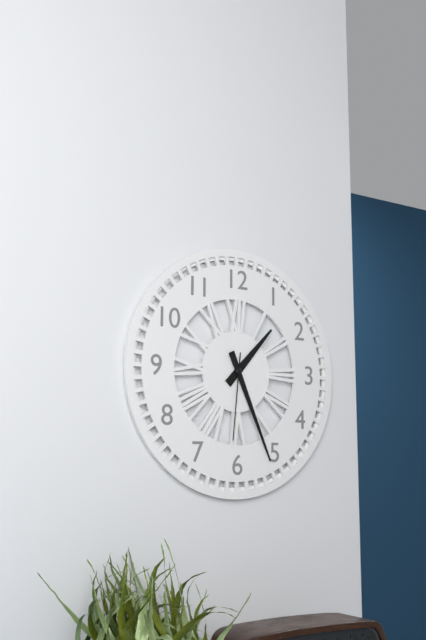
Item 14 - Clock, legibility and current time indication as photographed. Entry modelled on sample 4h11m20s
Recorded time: 1h26m31s
